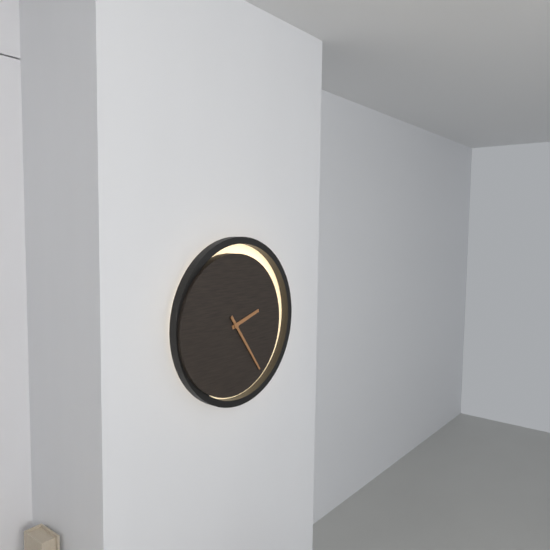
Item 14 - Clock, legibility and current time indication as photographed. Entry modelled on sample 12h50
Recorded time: 2h24
